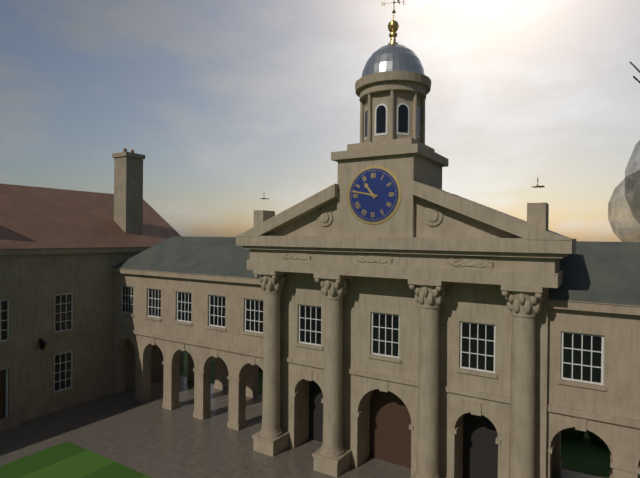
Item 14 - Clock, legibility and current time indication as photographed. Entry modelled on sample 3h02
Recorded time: 10h47
